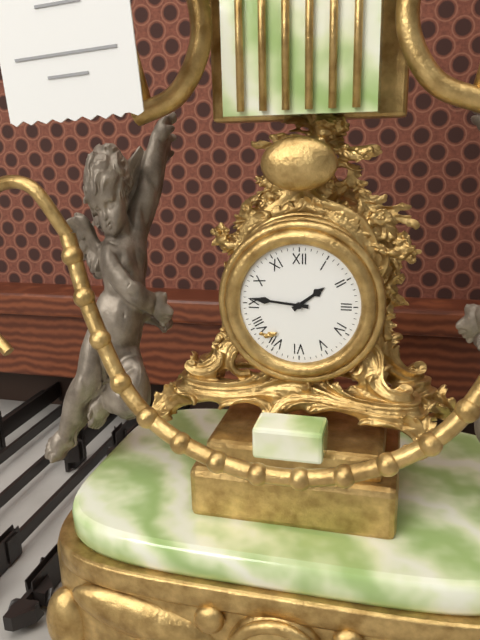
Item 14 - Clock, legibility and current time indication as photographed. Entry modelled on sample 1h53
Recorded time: 1h46
